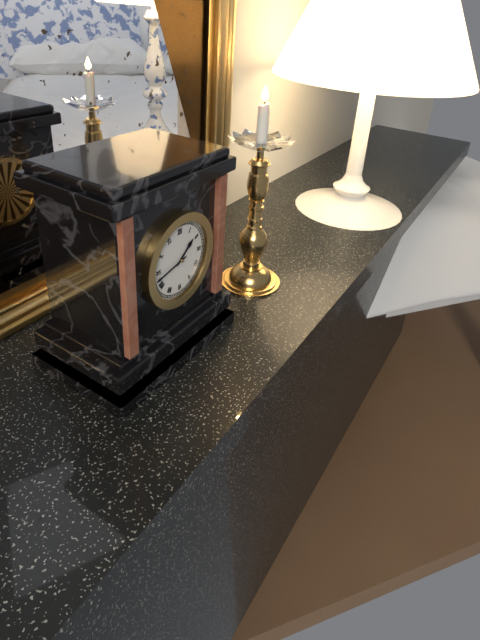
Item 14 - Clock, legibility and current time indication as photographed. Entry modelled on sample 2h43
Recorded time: 1h43
